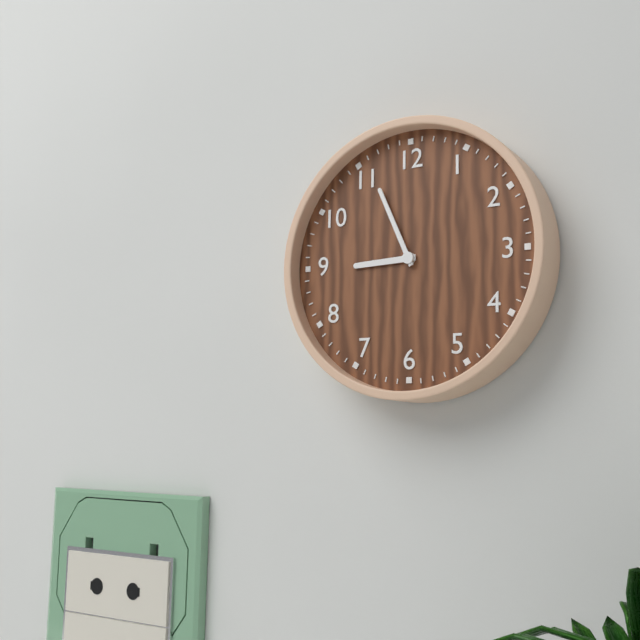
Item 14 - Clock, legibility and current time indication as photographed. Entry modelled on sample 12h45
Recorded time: 8h56
